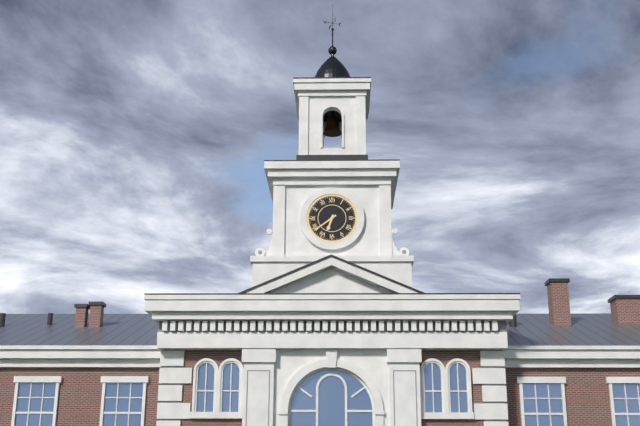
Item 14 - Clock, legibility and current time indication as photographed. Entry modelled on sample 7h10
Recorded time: 6h39
